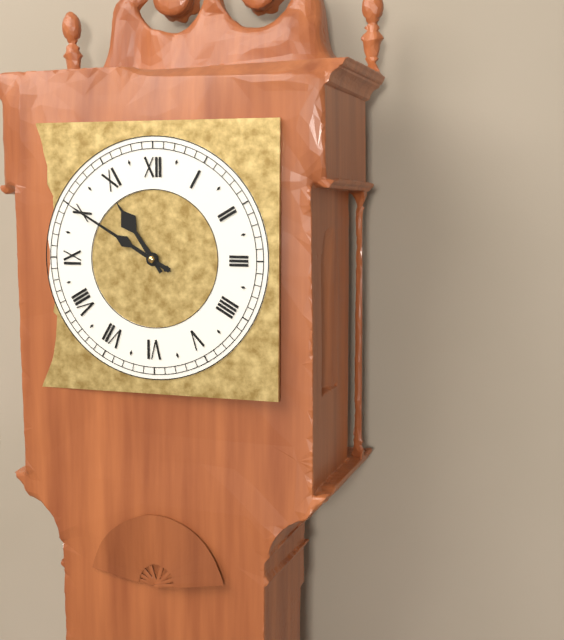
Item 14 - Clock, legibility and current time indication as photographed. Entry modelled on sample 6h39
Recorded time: 10h50
